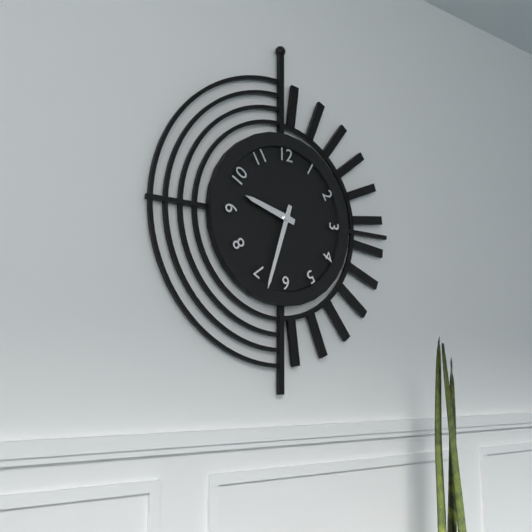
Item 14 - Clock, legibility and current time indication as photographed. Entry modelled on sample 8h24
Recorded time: 9h33
